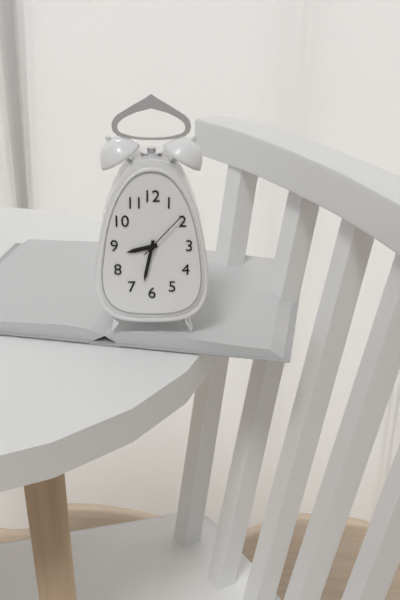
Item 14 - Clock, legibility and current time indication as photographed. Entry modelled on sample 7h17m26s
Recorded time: 8h32m07s
